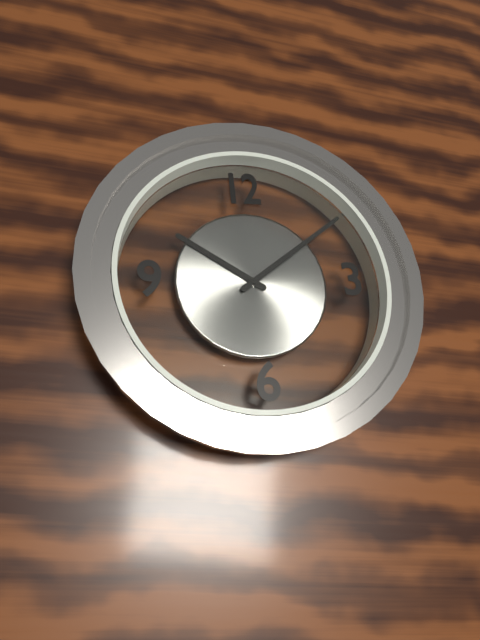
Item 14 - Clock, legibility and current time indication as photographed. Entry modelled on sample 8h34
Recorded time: 10h09
